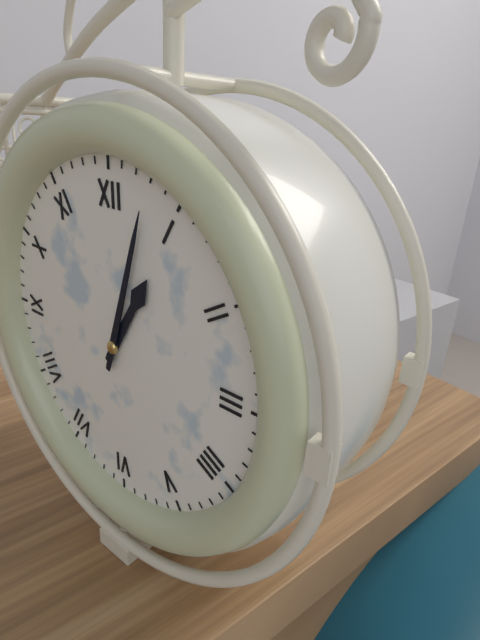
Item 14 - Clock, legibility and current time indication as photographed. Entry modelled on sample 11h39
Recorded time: 1h03
